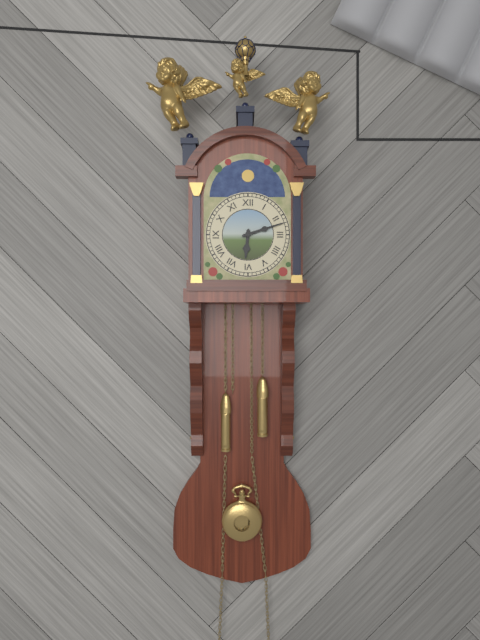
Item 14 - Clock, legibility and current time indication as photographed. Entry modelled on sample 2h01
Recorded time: 6h12
